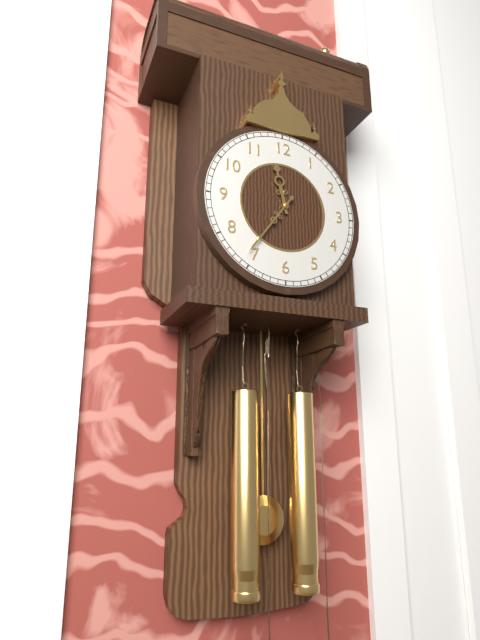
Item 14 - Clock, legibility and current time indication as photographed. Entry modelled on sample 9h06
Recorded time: 11h36
